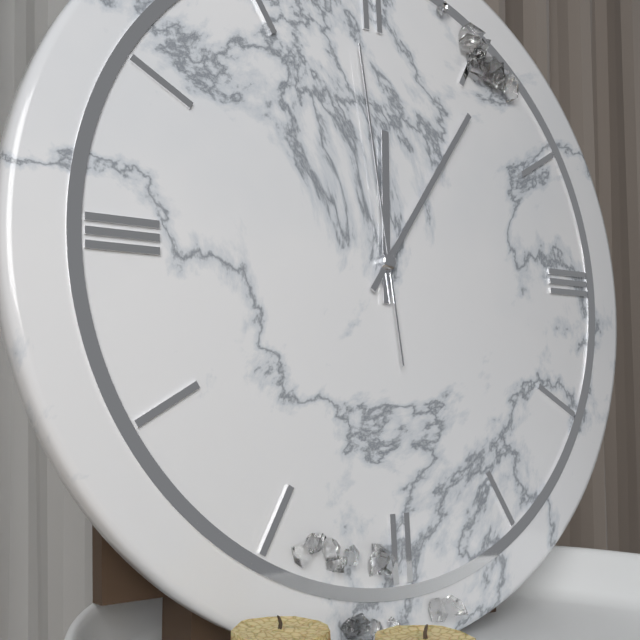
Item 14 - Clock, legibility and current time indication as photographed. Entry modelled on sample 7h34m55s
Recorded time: 12h06m59s
